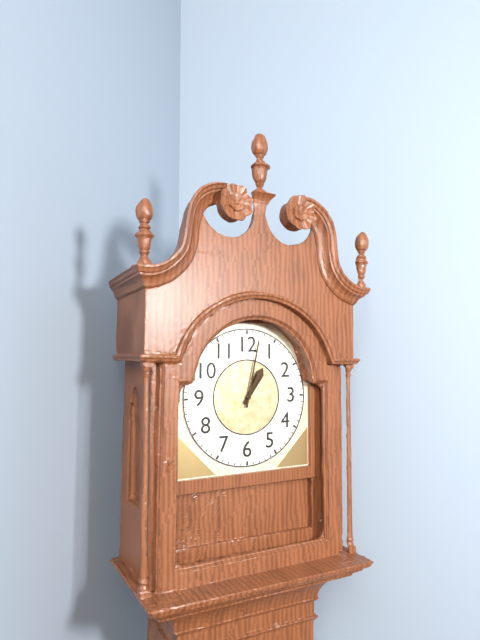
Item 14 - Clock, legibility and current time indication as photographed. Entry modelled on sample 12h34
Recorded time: 1h02
